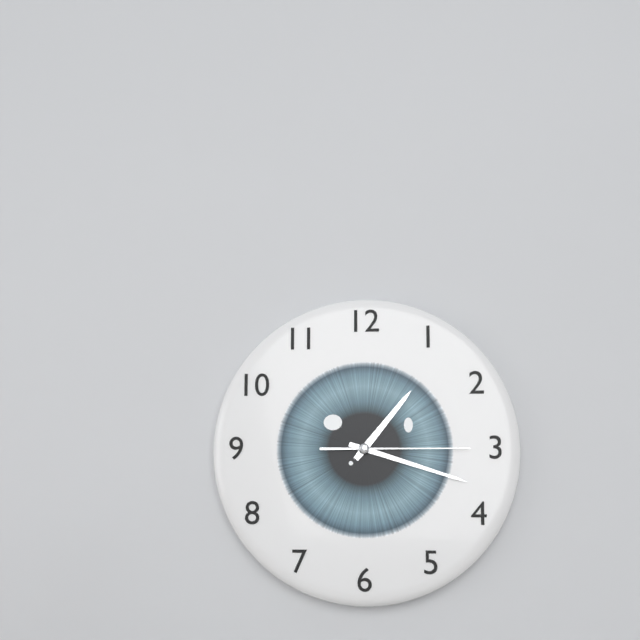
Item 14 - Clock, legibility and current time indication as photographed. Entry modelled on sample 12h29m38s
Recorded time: 1h18m15s
